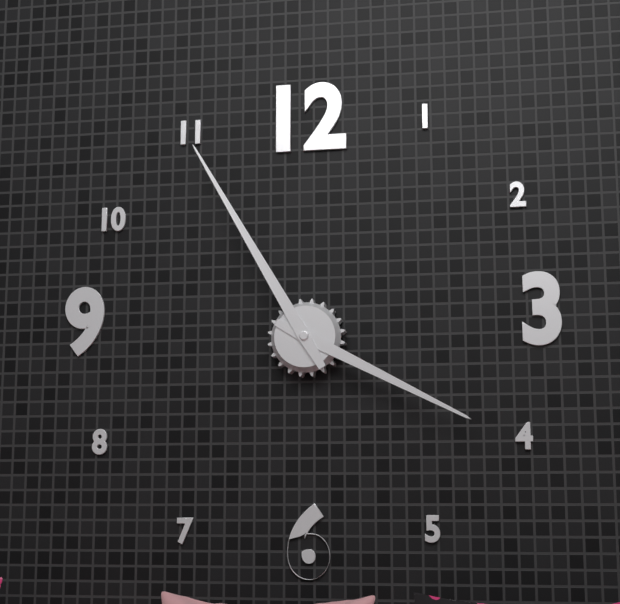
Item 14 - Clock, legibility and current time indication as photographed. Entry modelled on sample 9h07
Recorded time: 3h55
